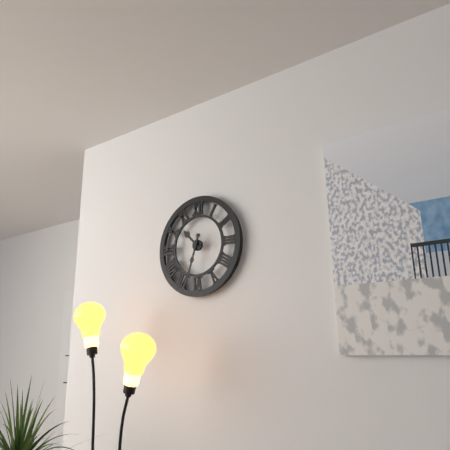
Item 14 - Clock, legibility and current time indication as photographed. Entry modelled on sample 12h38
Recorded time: 10h33
